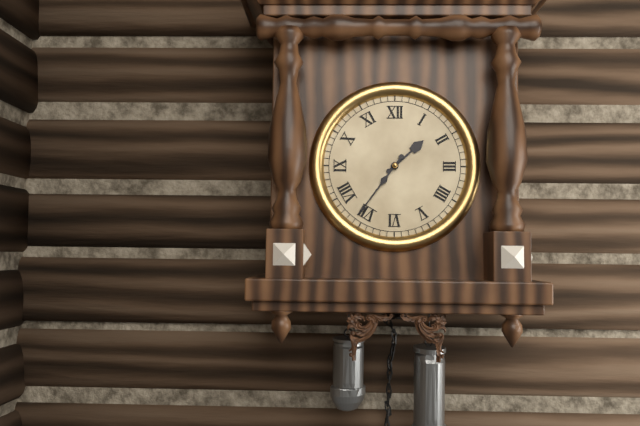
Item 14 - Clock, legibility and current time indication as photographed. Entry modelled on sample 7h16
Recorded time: 1h36
